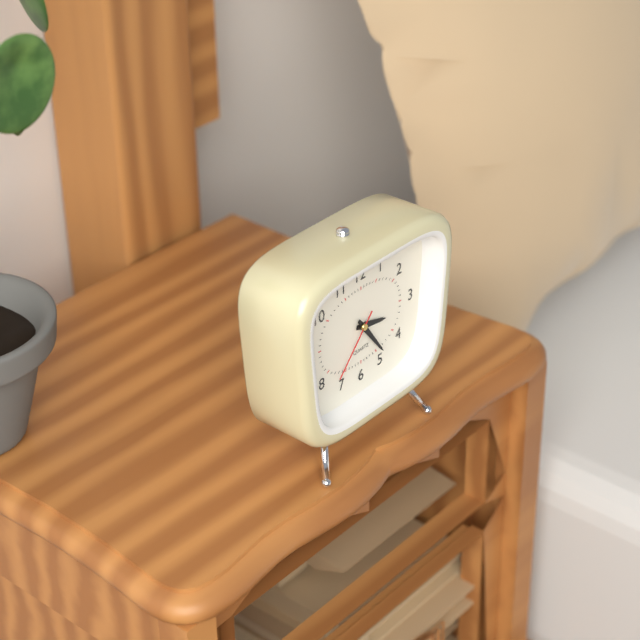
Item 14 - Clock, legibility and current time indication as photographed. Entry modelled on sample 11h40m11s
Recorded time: 3h24m37s
